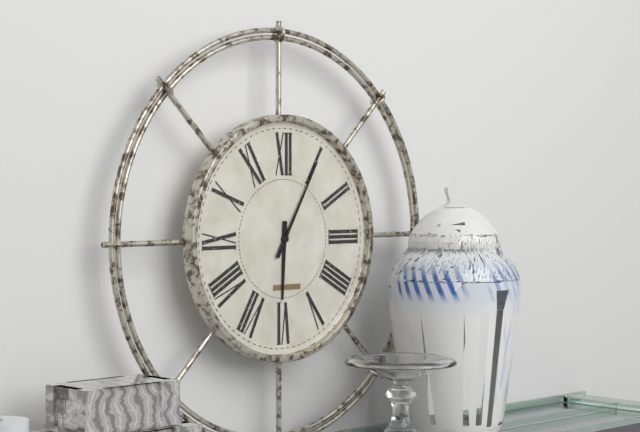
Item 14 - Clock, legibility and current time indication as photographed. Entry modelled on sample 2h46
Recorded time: 6h05
